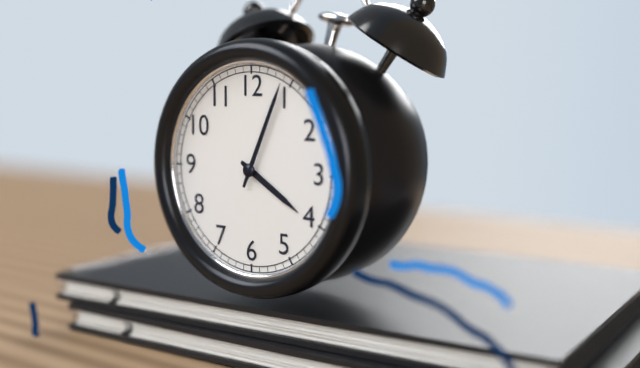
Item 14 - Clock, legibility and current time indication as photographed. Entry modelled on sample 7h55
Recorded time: 4h04
